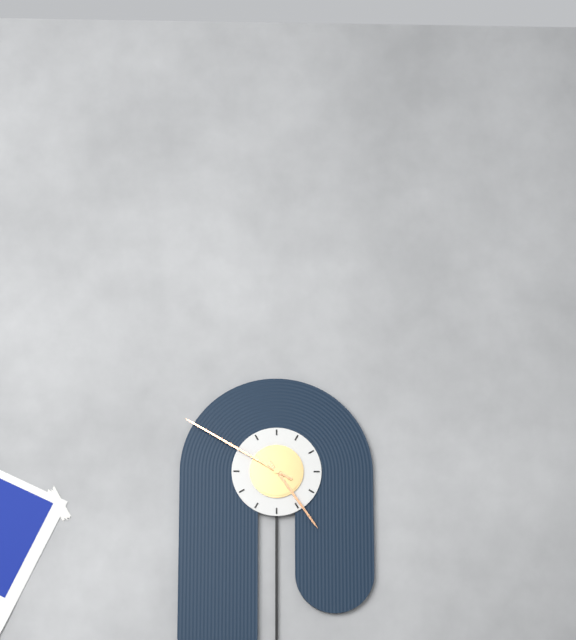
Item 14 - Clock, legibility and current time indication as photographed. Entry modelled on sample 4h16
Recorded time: 4h50
